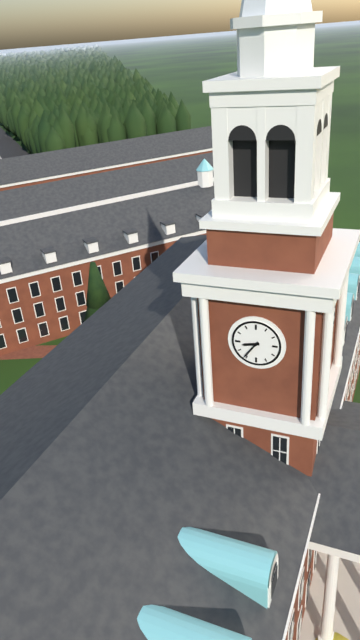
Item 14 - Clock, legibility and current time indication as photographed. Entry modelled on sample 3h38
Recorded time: 8h36
